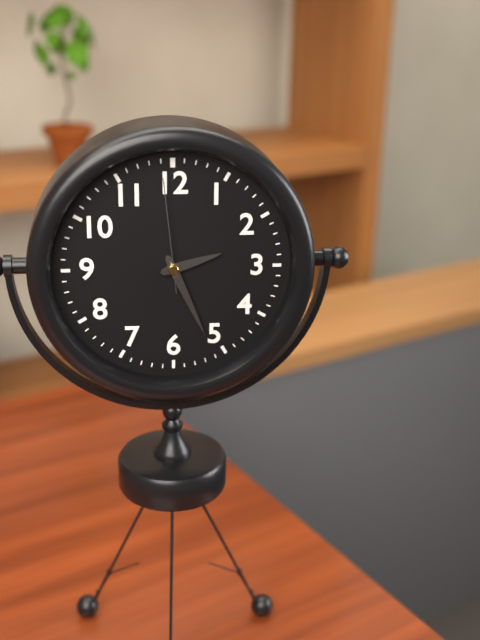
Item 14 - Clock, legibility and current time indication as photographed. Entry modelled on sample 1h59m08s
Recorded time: 2h26m59s
